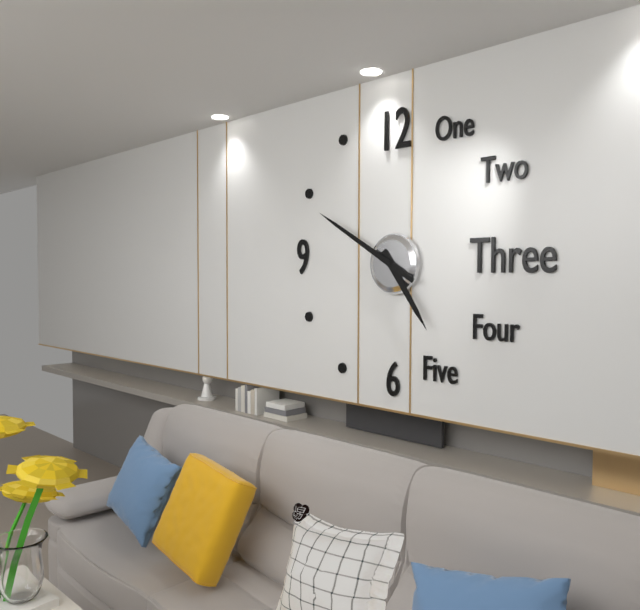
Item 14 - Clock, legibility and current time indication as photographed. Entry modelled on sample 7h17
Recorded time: 4h50
